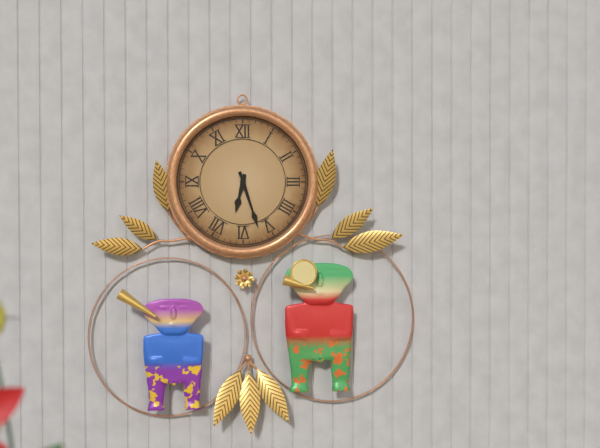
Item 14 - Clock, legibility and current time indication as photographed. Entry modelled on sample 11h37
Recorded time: 6h27
